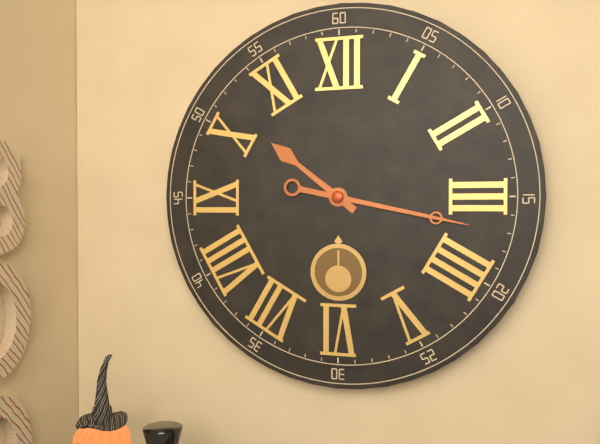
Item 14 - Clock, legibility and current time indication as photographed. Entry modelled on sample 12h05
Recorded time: 10h17
